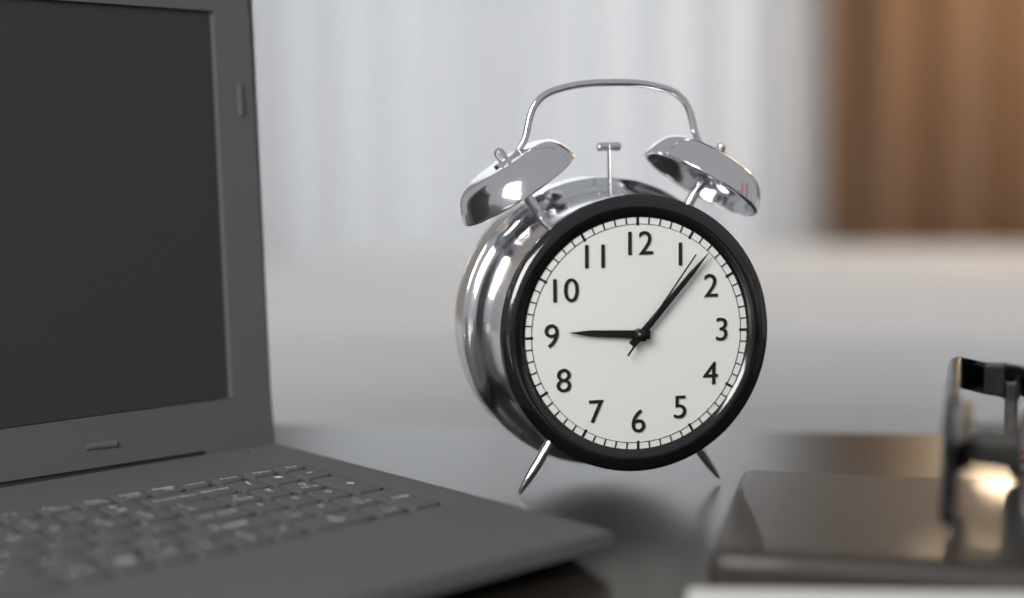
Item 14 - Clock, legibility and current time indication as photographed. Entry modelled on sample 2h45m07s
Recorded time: 9h07m06s
